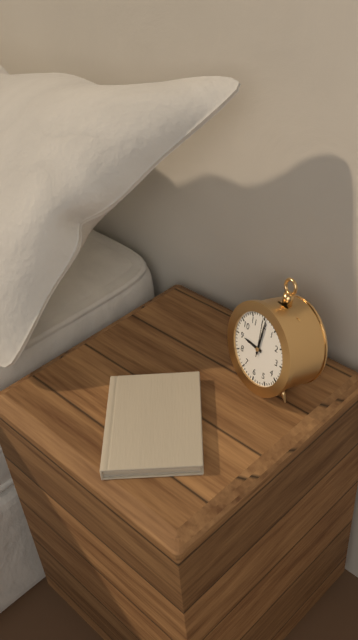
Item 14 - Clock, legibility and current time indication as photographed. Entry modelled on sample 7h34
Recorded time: 9h01
